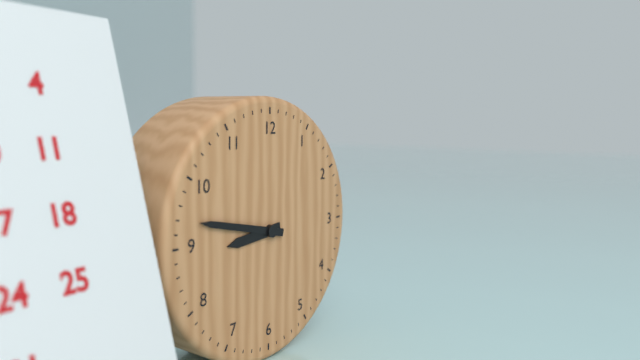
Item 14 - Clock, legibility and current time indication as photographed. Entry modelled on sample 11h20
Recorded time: 8h47
